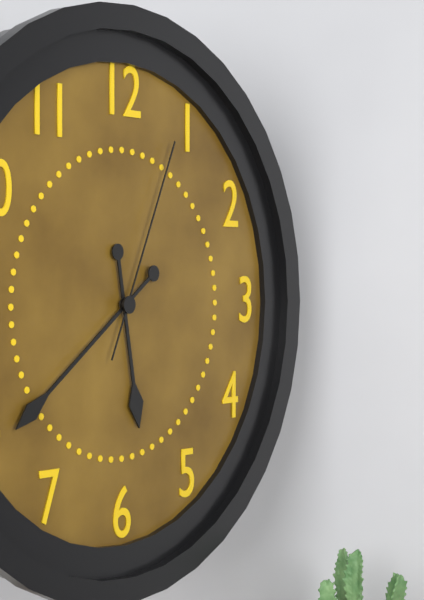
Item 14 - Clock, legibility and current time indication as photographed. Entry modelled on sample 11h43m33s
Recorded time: 5h39m04s
